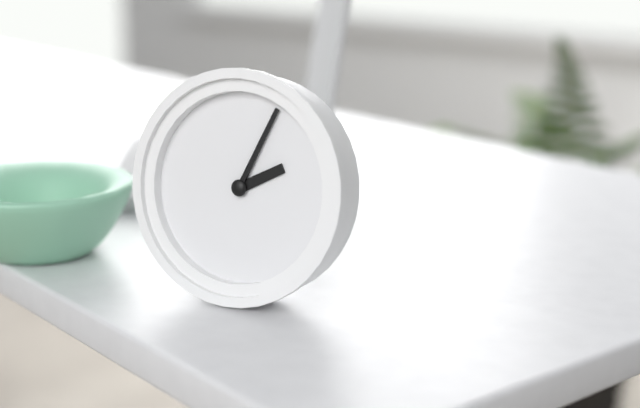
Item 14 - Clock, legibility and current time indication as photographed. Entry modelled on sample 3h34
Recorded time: 2h04
